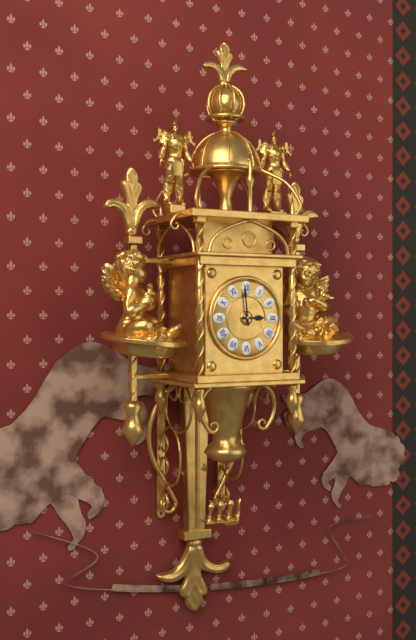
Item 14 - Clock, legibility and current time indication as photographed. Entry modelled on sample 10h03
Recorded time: 2h59
